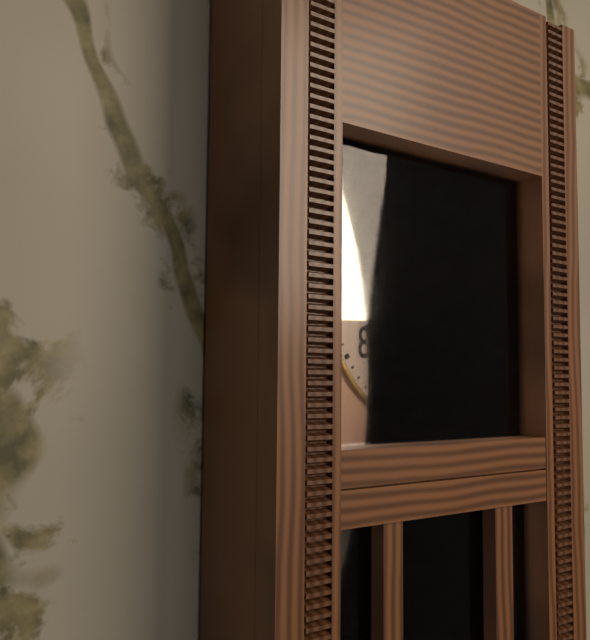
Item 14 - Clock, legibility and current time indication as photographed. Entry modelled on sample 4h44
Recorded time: 7h50
